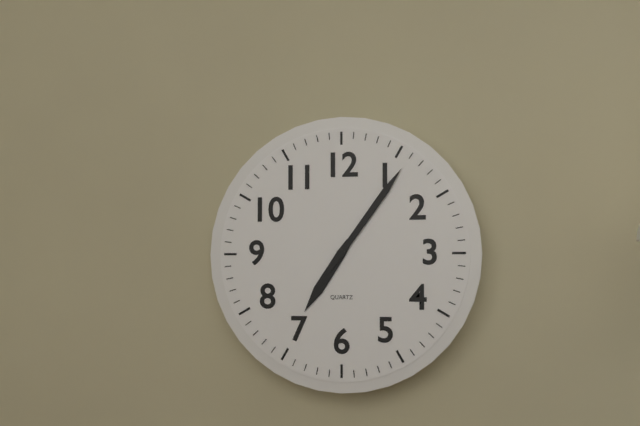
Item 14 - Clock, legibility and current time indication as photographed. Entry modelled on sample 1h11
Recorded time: 7h06
